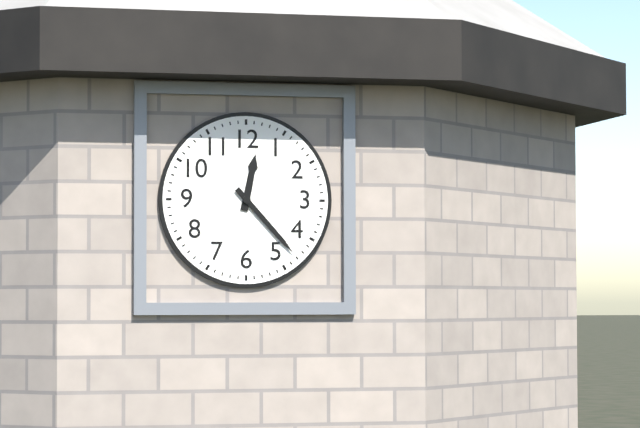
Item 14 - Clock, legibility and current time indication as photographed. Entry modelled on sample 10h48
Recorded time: 12h23
